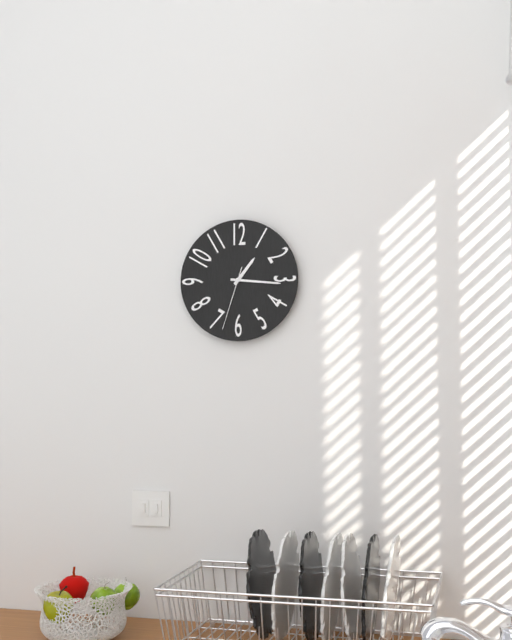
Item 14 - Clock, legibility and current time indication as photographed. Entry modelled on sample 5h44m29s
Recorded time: 1h16m33s
